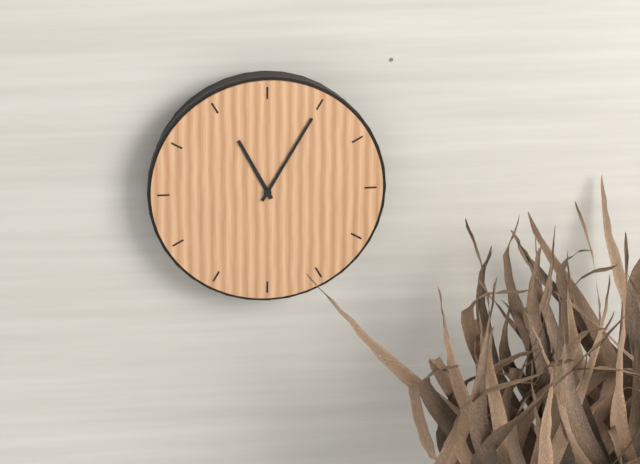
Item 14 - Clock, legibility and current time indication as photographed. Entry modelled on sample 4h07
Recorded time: 11h05
